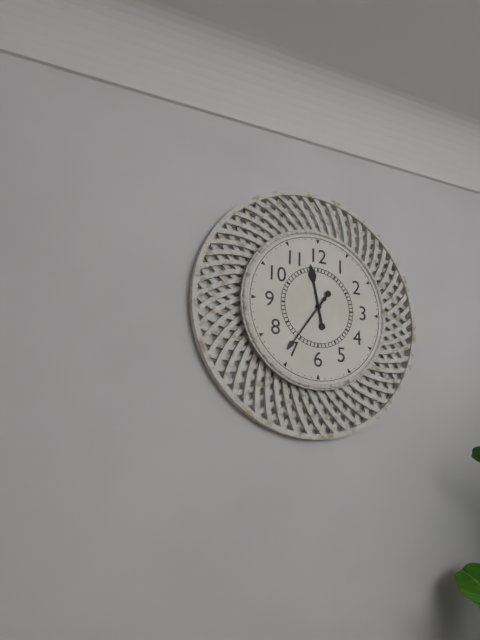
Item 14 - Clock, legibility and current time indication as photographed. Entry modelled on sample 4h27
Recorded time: 11h36
